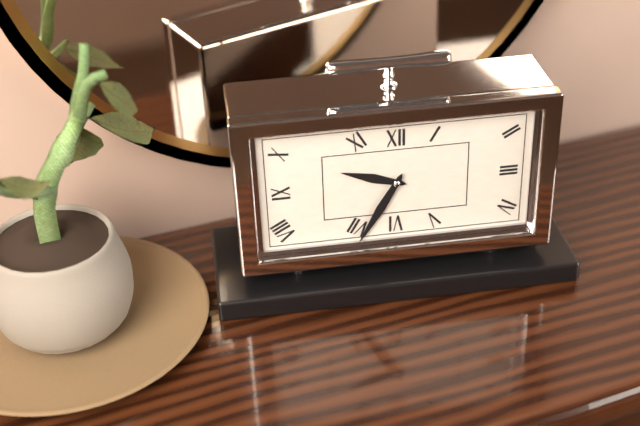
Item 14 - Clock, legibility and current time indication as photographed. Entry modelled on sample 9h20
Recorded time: 9h35
